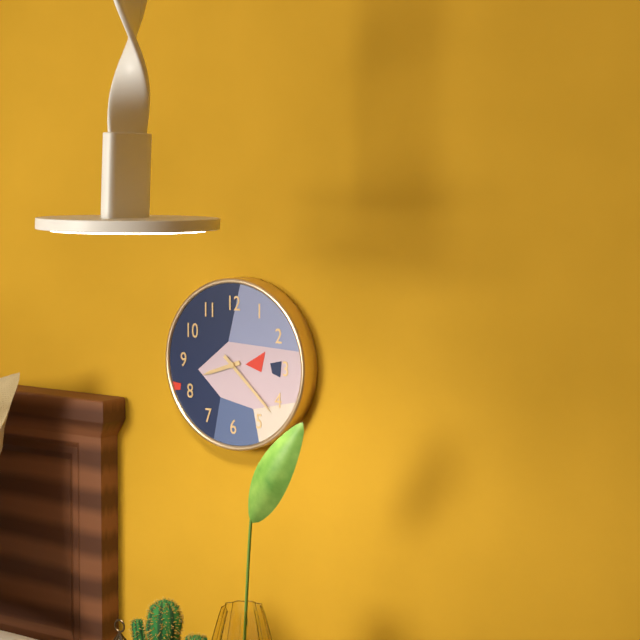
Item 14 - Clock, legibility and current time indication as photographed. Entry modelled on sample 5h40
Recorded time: 8h22
